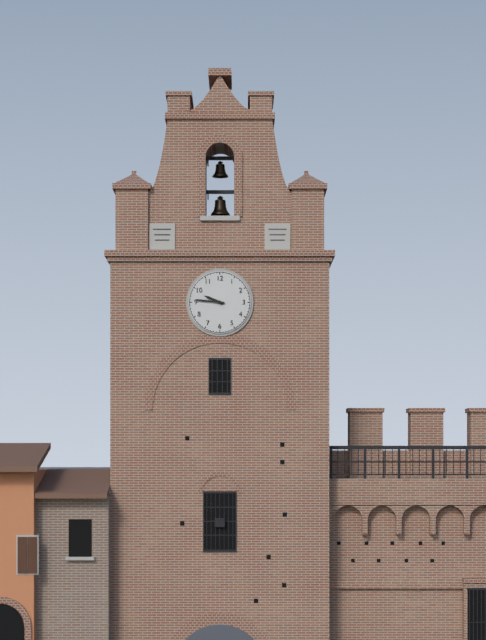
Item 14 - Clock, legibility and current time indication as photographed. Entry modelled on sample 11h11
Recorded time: 9h46
